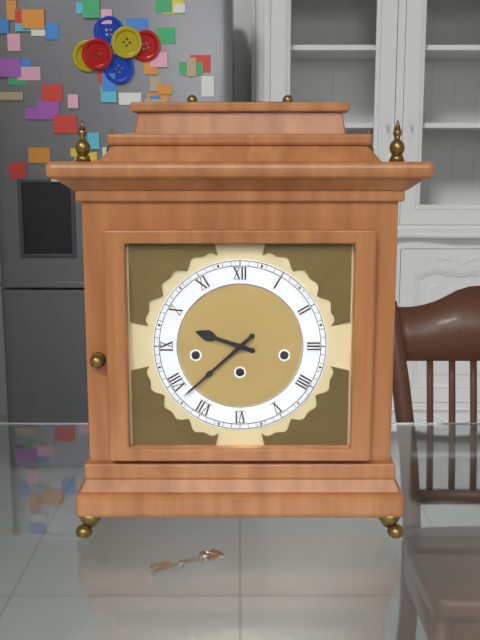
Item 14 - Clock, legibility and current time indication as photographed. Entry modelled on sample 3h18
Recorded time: 9h38
